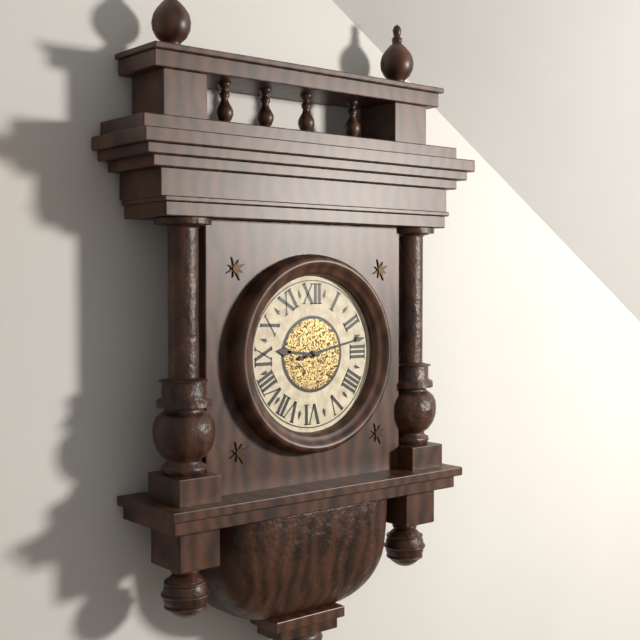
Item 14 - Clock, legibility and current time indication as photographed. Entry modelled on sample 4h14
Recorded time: 9h13
